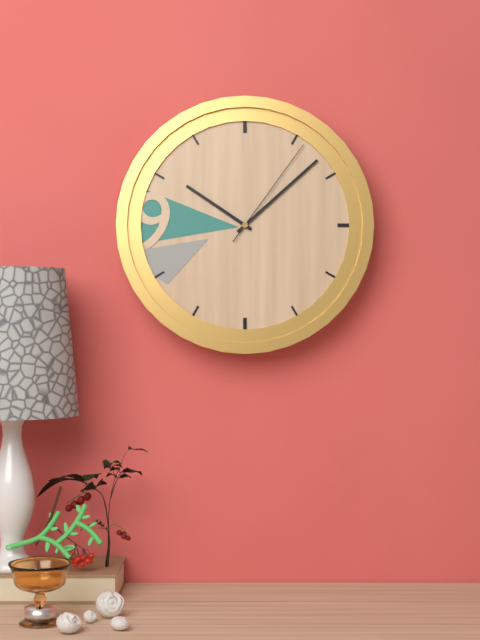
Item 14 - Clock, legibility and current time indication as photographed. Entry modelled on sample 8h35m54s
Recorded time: 10h08m06s
